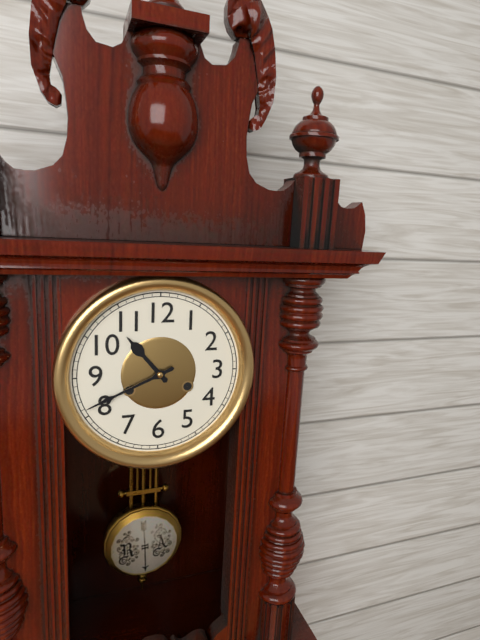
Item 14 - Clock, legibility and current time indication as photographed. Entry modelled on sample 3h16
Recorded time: 10h41
